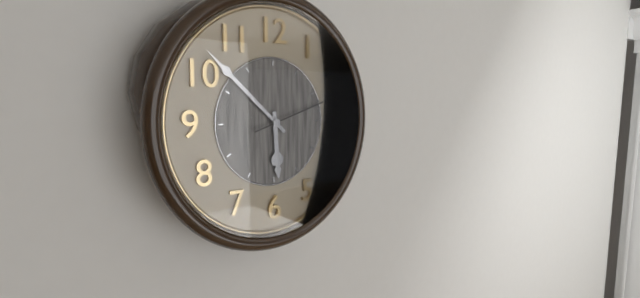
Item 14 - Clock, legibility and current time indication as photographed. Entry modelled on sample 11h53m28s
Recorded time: 5h52m12s
